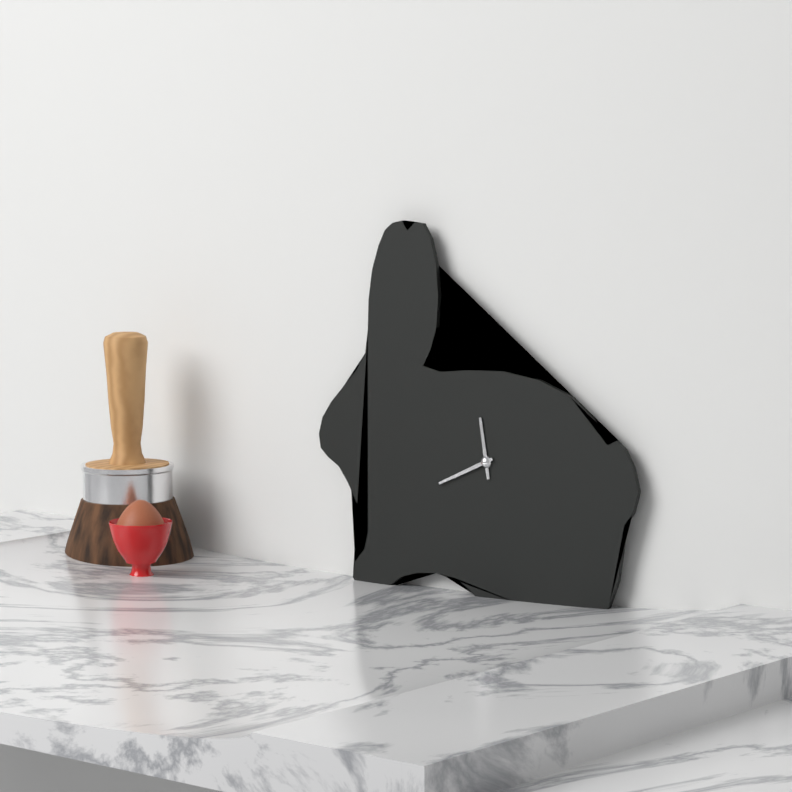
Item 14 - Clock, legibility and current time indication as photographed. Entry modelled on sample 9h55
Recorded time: 11h41
